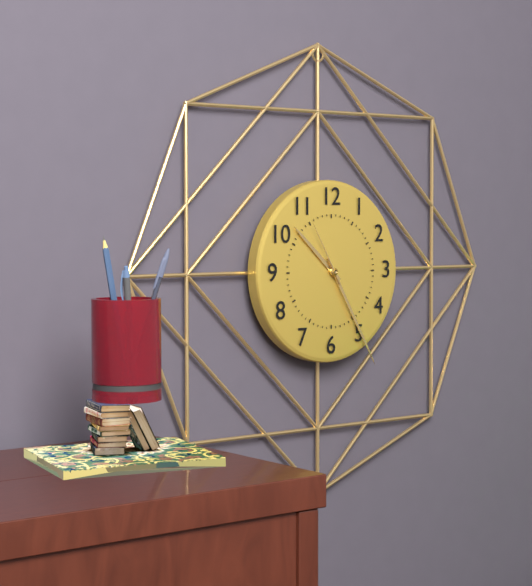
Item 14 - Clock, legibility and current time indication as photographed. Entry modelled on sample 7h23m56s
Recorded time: 10h25m55s
